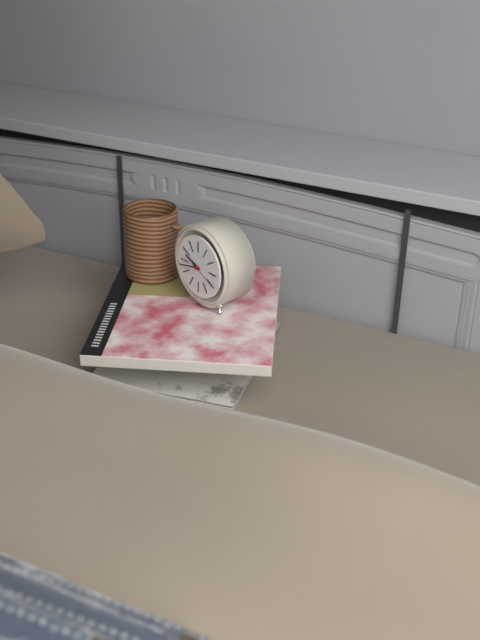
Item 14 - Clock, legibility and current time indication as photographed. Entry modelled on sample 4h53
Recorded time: 9h43
